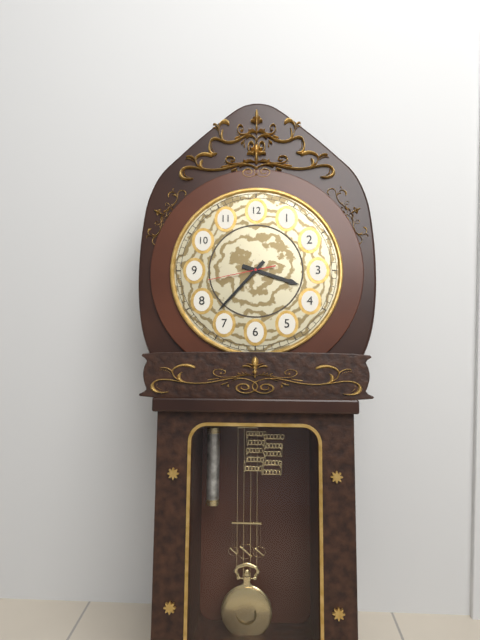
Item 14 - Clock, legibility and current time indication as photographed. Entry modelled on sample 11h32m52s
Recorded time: 3h37m43s
